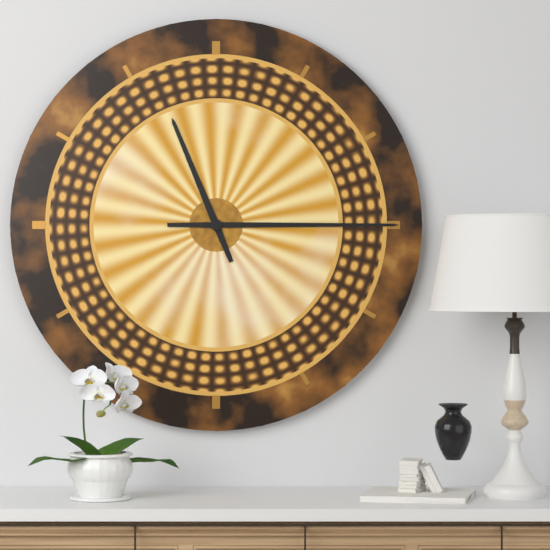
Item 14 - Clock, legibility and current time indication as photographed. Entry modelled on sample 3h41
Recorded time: 11h15
